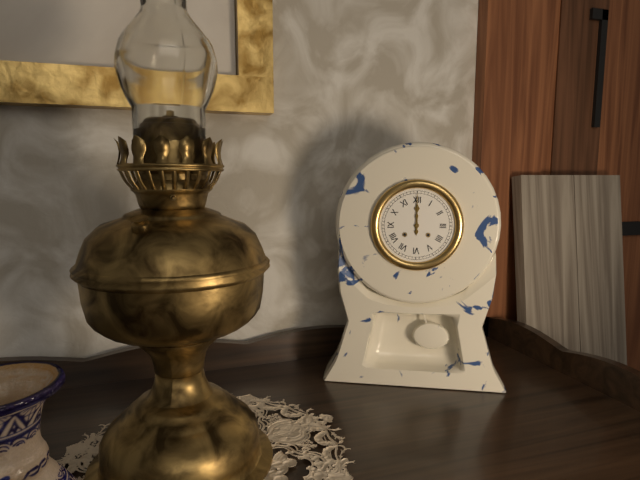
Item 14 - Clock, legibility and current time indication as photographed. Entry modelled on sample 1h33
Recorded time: 12h00
